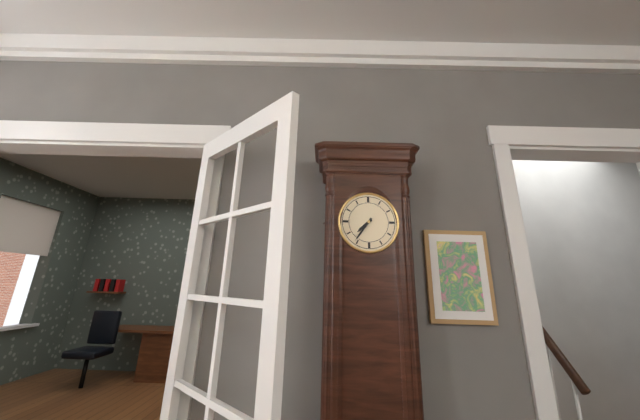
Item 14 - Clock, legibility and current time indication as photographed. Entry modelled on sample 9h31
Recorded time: 7h36
